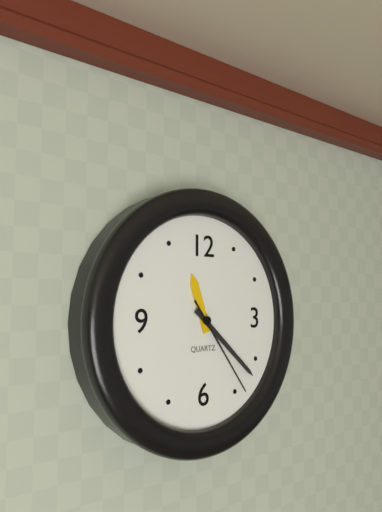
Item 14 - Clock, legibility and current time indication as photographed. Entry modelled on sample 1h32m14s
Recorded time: 11h22m24s
